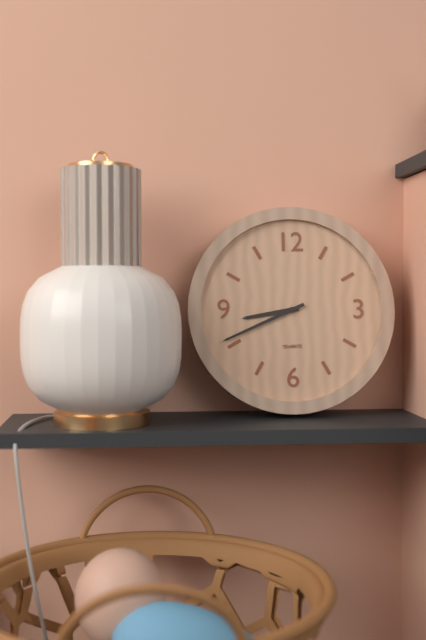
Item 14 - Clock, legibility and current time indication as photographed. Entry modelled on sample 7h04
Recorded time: 8h41
